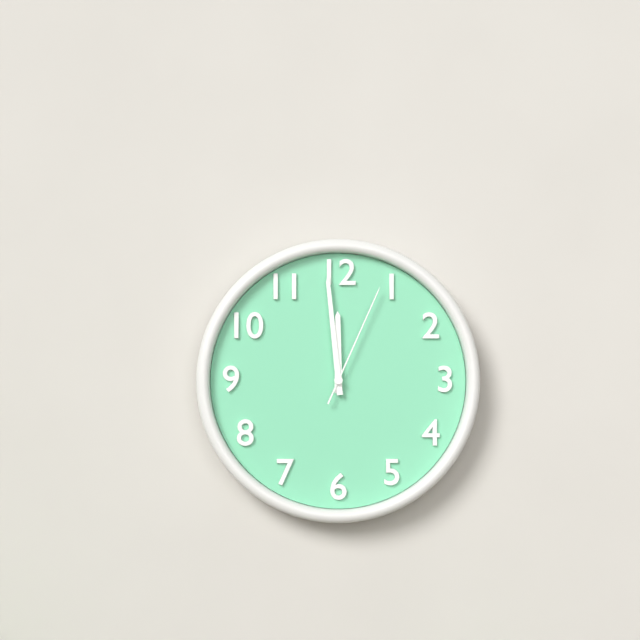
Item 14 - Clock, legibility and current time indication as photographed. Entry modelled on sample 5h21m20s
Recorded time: 11h59m04s
